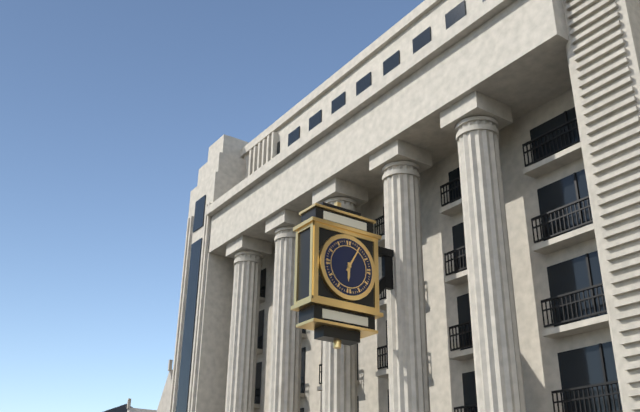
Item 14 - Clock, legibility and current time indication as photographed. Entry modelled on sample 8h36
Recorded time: 6h05
